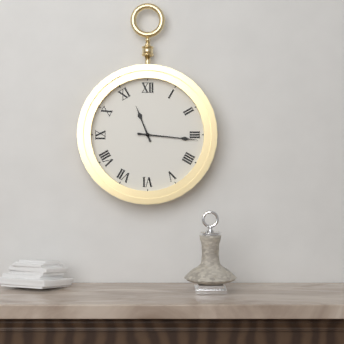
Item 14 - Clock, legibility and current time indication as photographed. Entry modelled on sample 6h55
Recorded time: 11h16
